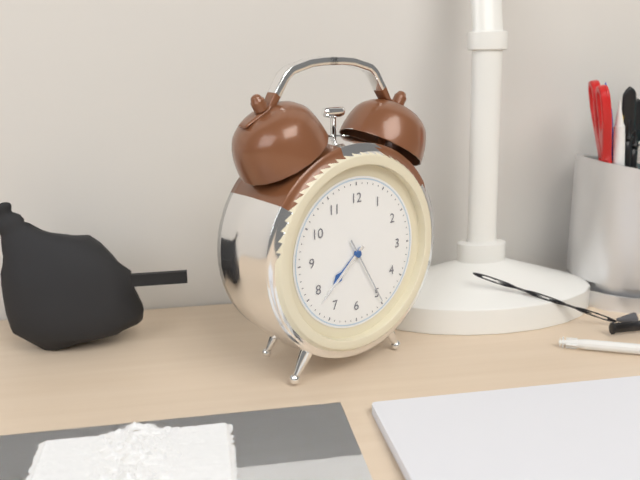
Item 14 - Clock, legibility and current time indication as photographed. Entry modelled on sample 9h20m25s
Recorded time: 7h38m25s
